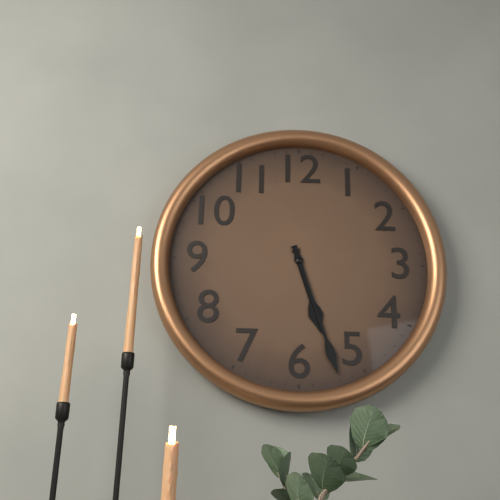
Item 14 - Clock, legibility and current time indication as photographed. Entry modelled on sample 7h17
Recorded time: 5h27
